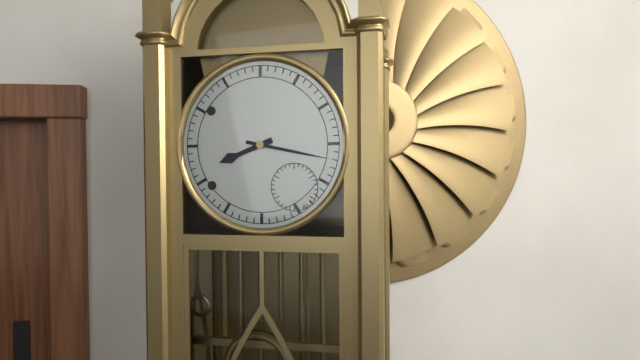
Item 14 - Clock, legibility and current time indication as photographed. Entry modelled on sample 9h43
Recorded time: 8h17
